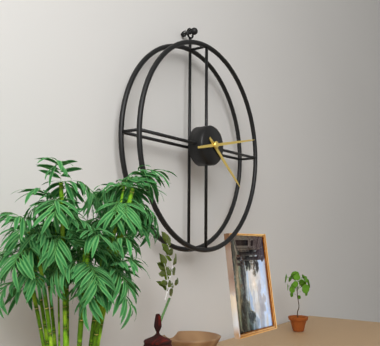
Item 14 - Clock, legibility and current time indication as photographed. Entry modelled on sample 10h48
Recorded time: 4h13
